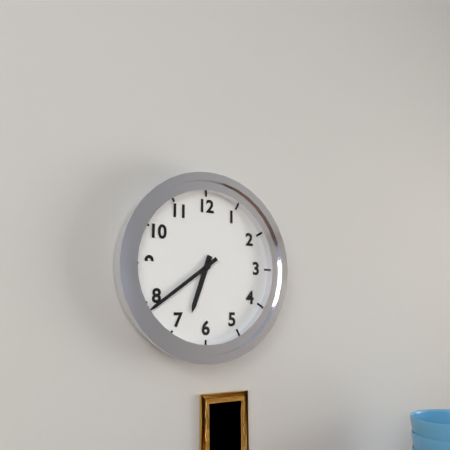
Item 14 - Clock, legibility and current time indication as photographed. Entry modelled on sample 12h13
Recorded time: 6h39
